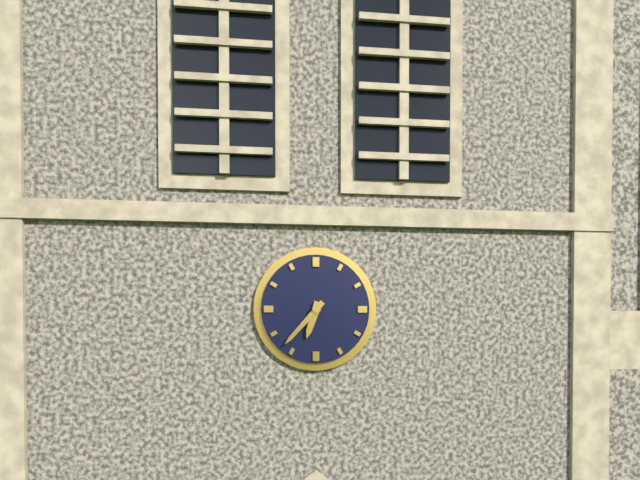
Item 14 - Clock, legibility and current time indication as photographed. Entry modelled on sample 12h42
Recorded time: 6h37
